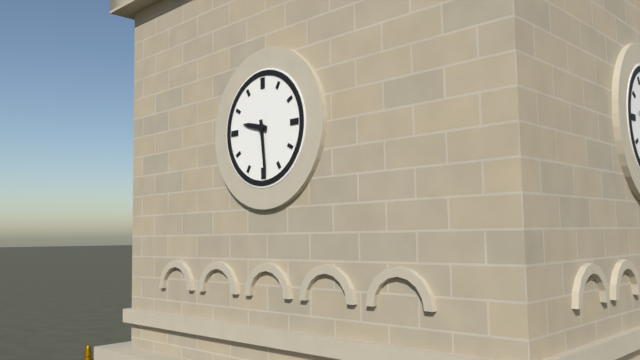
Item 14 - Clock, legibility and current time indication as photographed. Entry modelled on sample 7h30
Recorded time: 9h29
